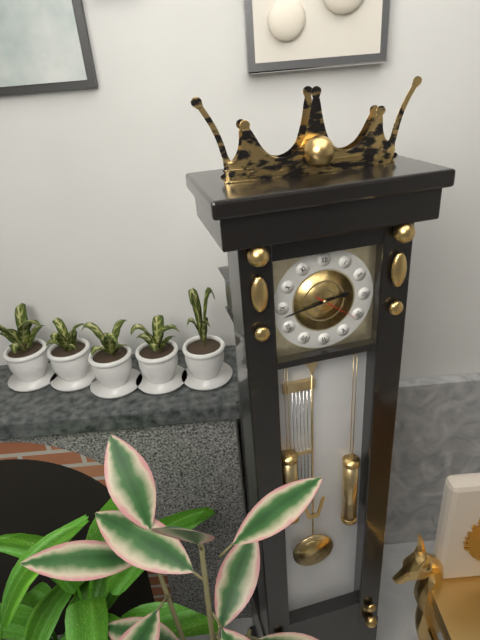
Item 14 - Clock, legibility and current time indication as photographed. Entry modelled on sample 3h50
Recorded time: 2h43
